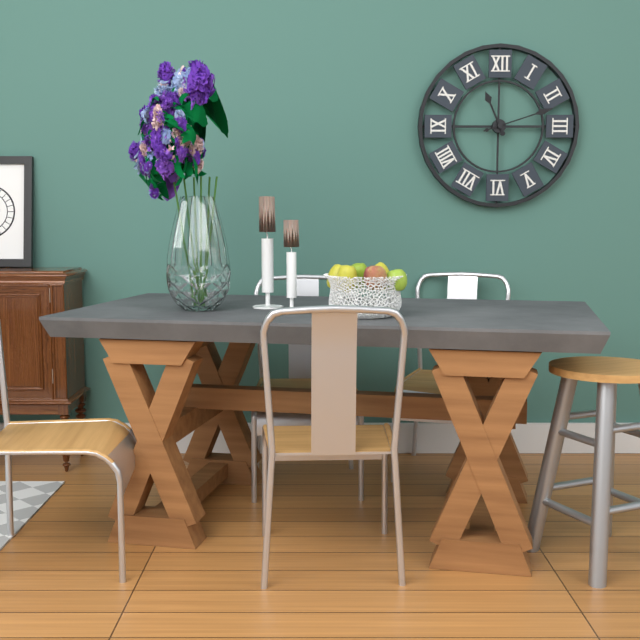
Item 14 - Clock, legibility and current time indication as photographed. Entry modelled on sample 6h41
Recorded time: 11h12
